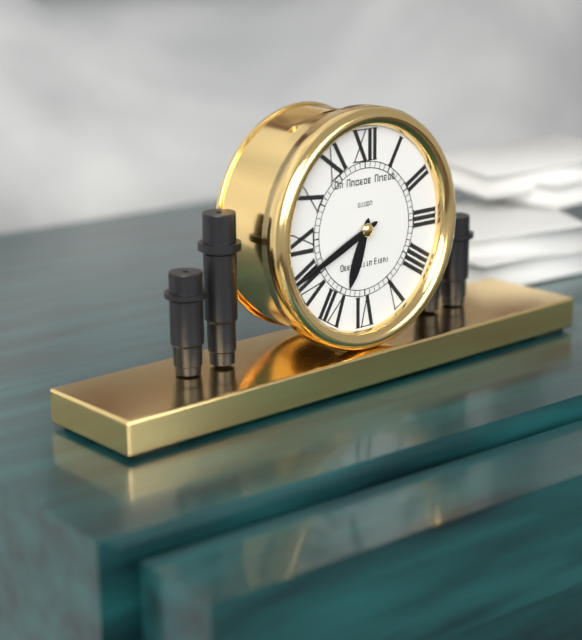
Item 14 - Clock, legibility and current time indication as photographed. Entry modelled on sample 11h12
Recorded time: 6h41
